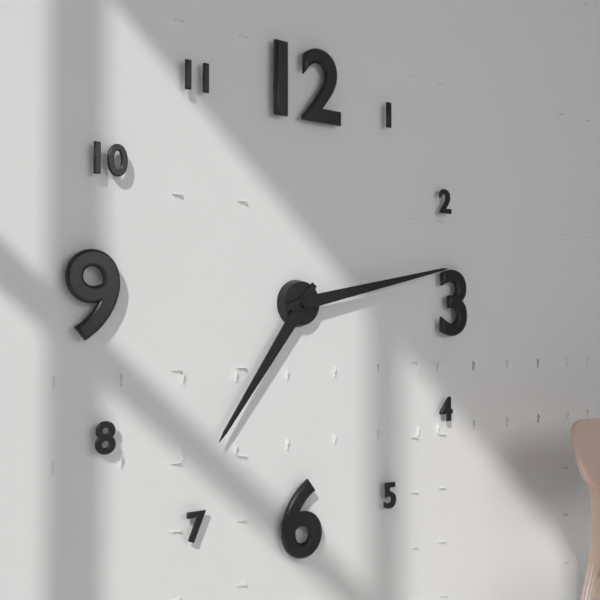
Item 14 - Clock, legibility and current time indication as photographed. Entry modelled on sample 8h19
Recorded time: 7h13
